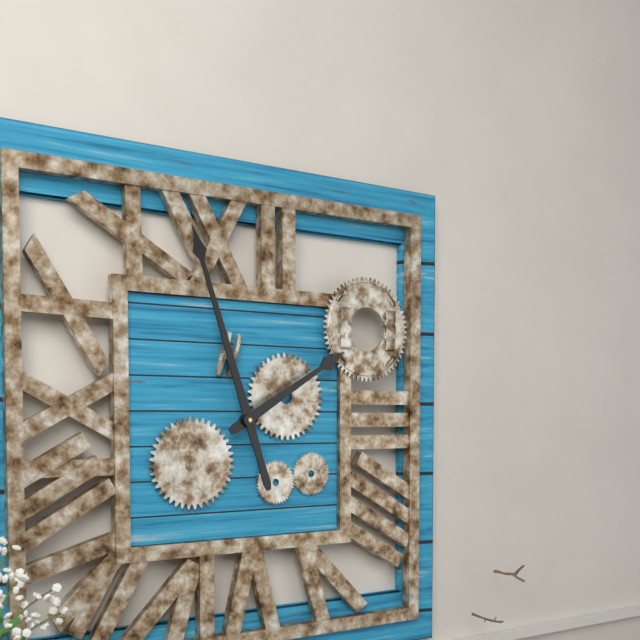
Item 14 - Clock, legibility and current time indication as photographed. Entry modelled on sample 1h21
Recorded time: 1h57
